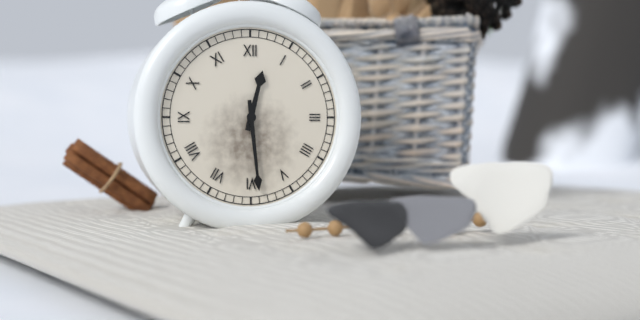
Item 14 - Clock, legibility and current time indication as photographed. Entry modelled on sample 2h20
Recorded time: 12h29
